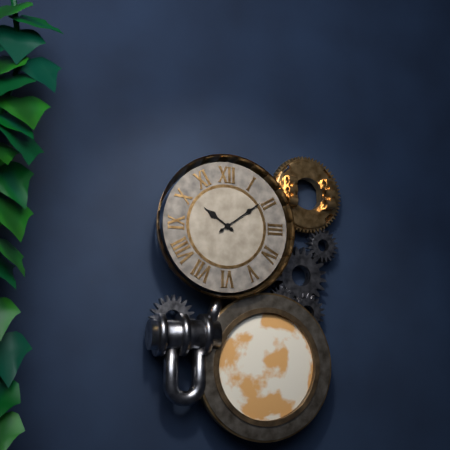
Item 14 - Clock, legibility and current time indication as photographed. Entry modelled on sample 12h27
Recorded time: 10h09
